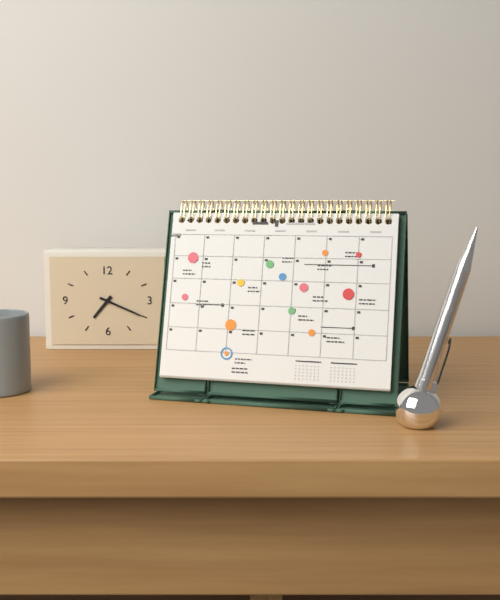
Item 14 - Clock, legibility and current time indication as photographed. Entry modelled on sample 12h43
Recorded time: 7h19
